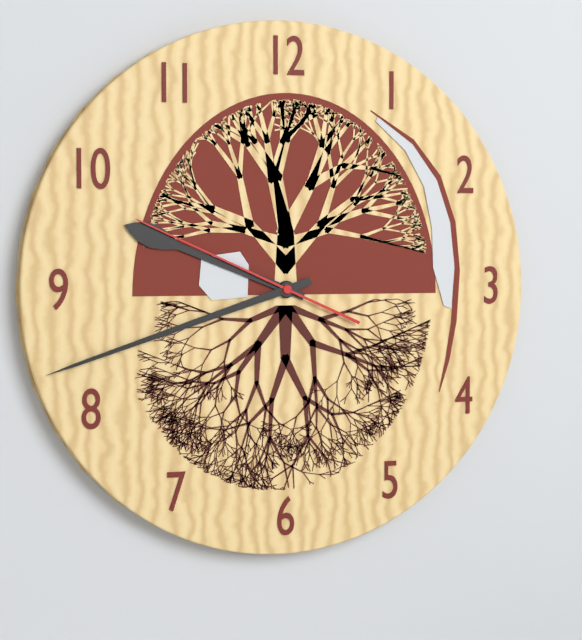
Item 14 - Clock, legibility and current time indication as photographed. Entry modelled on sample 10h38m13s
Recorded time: 9h42m49s
